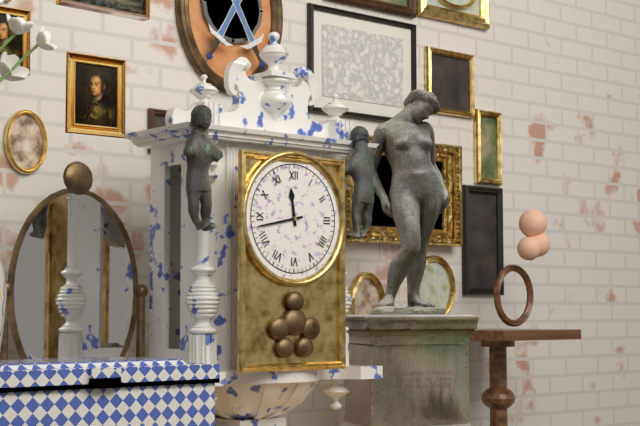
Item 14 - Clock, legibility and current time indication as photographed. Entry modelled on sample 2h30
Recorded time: 11h43
